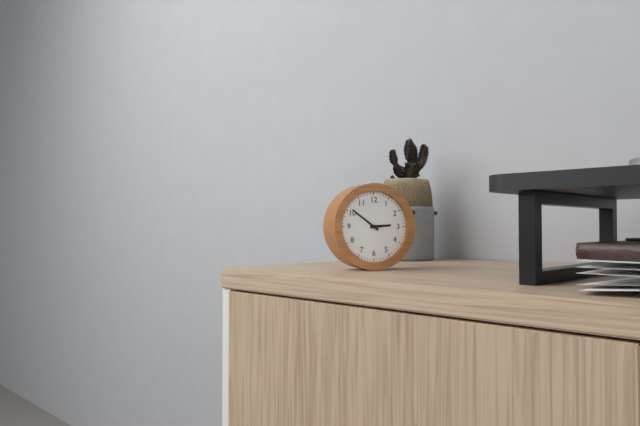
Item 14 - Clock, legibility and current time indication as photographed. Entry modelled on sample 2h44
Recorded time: 2h51
